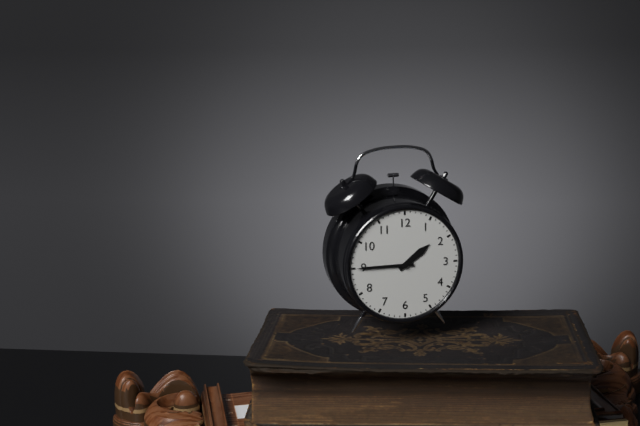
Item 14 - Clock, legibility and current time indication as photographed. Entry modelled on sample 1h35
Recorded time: 1h45
